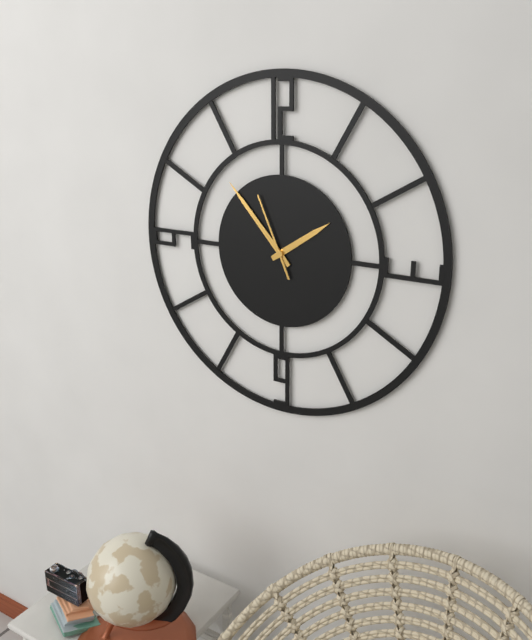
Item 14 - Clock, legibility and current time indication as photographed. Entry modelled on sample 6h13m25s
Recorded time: 1h53m56s
